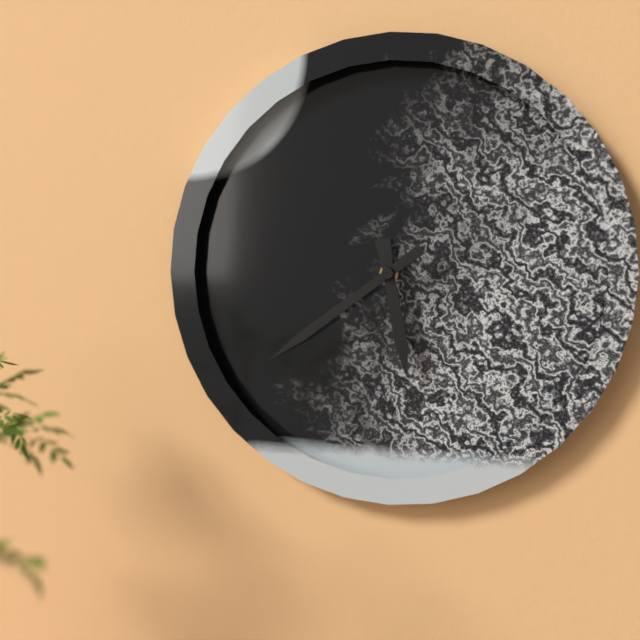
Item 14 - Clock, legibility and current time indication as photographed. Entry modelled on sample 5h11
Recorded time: 5h39
